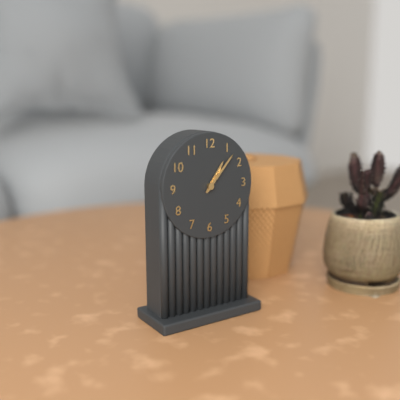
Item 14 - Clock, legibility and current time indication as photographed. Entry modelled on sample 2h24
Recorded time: 1h07
